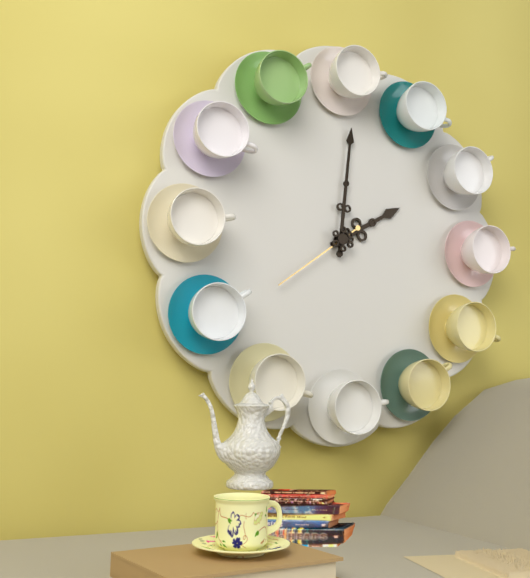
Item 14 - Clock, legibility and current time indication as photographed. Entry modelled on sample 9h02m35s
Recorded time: 2h01m39s
